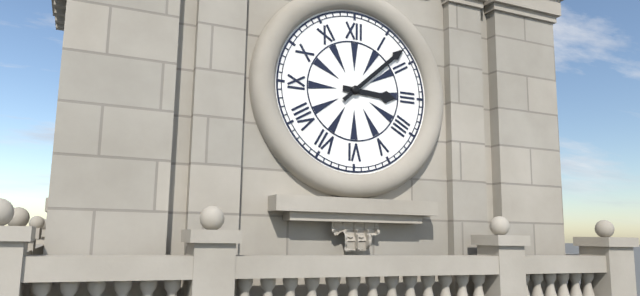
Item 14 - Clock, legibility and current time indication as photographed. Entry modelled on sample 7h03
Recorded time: 3h08
